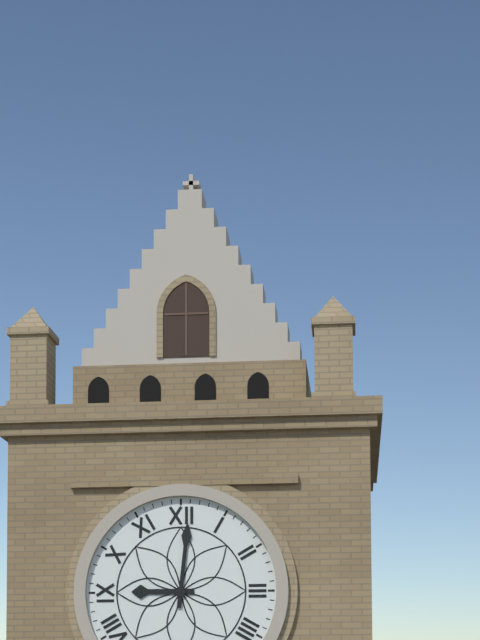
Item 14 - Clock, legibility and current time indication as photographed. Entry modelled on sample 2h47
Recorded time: 9h01
